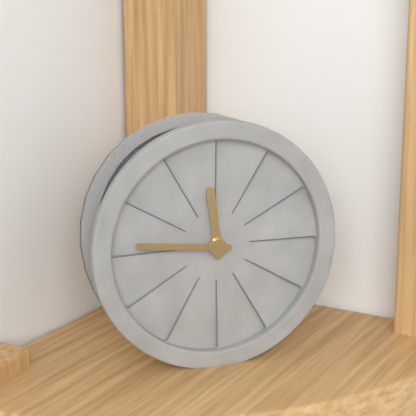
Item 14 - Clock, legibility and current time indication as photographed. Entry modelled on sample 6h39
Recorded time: 11h46
